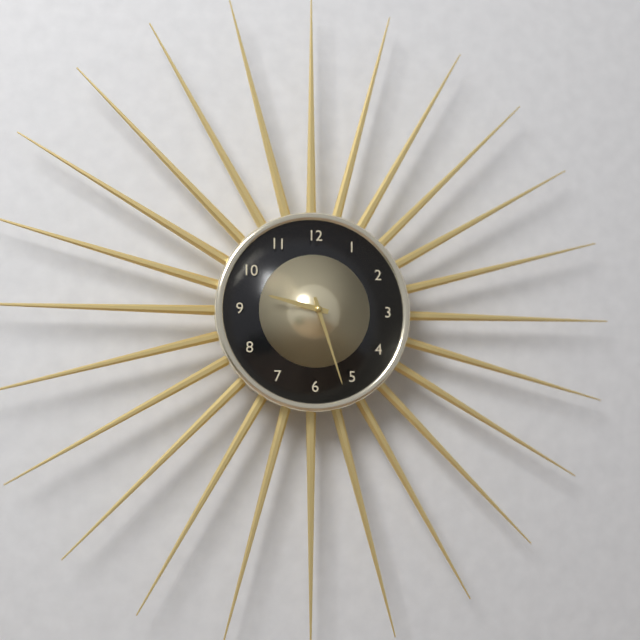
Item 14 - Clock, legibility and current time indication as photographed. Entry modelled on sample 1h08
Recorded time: 9h27
